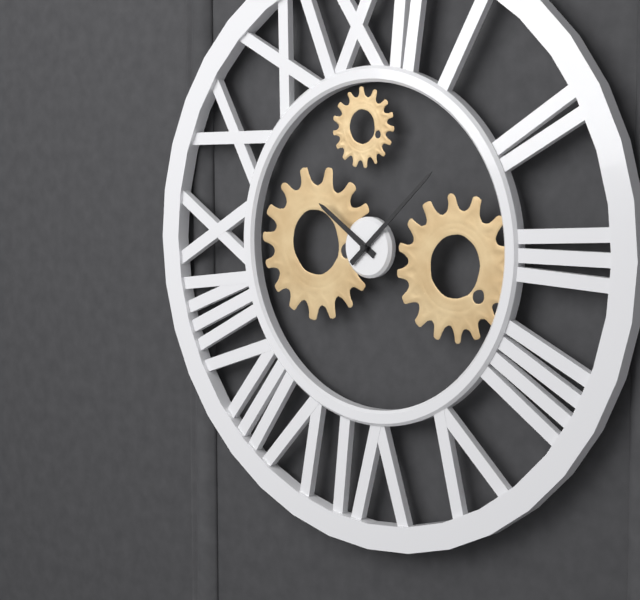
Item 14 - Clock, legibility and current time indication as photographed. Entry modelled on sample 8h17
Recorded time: 10h08
